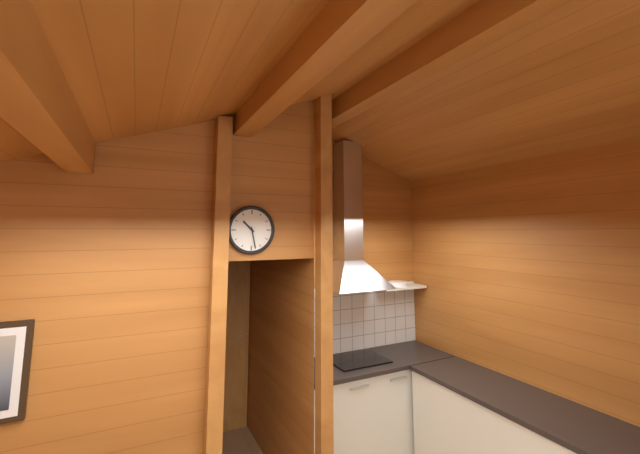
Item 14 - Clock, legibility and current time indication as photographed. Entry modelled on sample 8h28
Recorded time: 10h28
